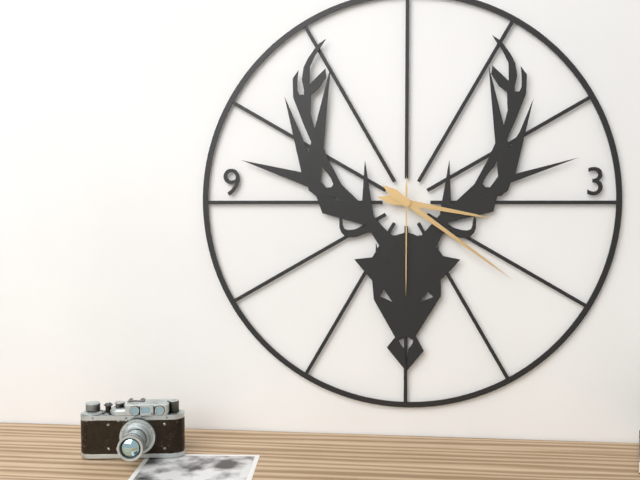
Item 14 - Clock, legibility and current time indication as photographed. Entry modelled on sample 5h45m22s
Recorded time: 3h21m30s
